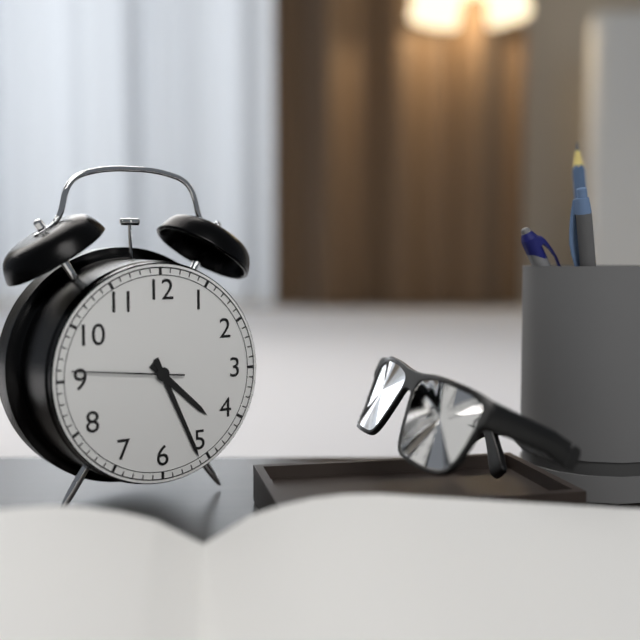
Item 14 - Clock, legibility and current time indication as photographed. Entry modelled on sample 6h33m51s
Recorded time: 4h26m46s
